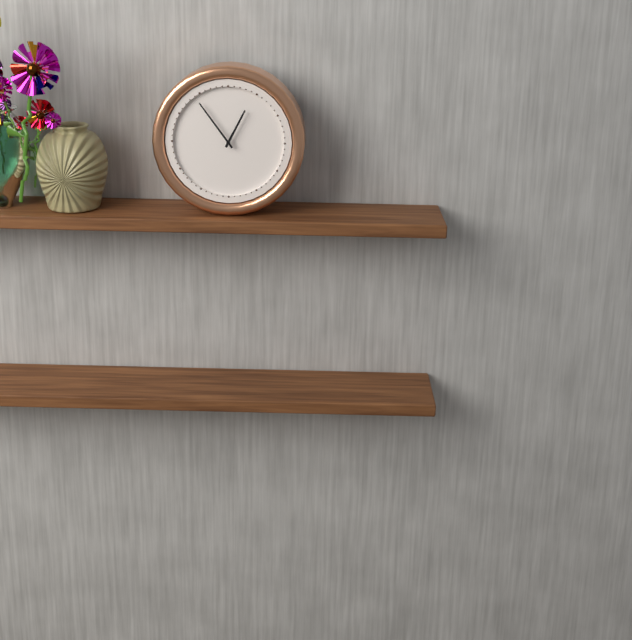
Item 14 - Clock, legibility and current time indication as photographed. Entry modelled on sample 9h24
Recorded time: 12h54
